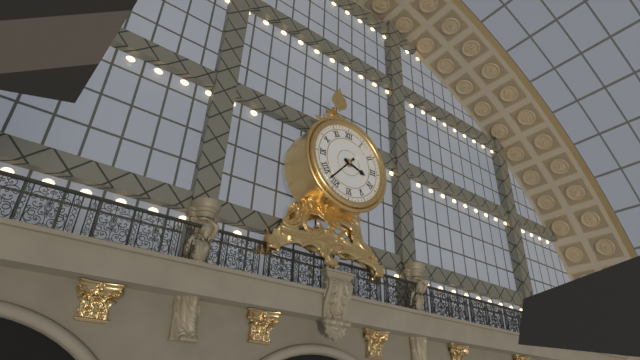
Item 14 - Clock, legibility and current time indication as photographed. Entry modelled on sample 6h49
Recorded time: 3h37
